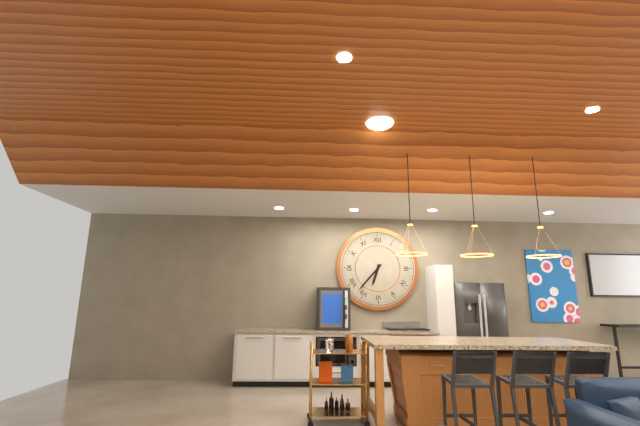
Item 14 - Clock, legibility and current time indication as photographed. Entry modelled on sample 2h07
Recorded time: 6h37
